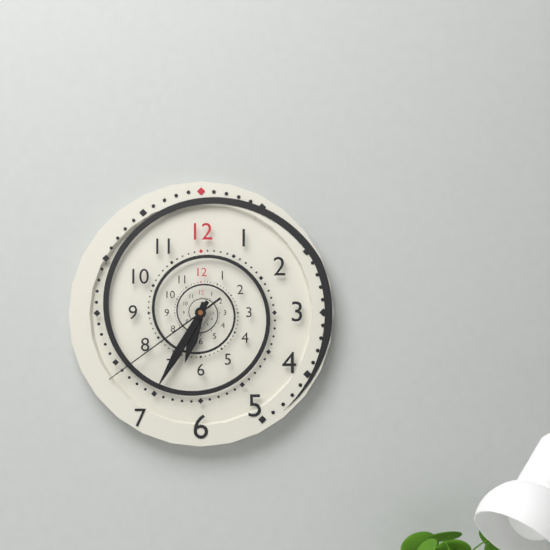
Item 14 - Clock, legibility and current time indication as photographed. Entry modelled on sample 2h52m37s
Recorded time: 6h35m39s
